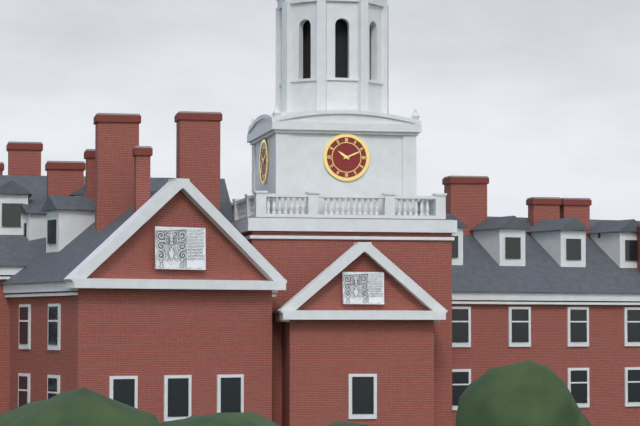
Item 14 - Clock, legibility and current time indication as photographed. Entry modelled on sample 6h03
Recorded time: 10h11
